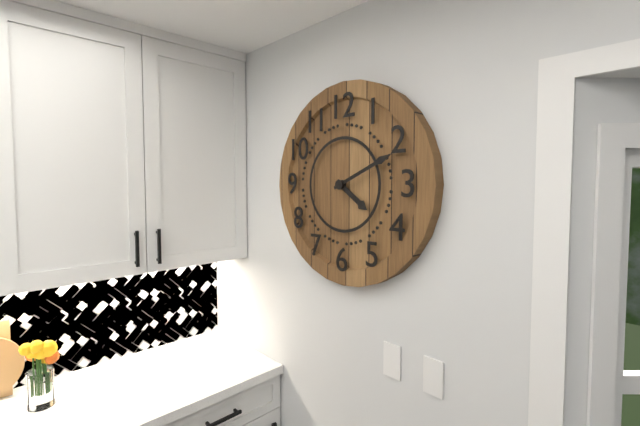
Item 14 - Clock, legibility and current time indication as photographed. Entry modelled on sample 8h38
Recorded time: 4h11
